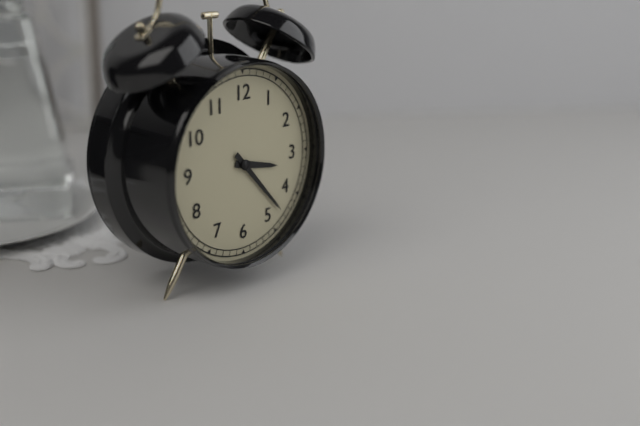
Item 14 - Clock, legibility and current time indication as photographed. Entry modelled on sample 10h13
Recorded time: 3h23
